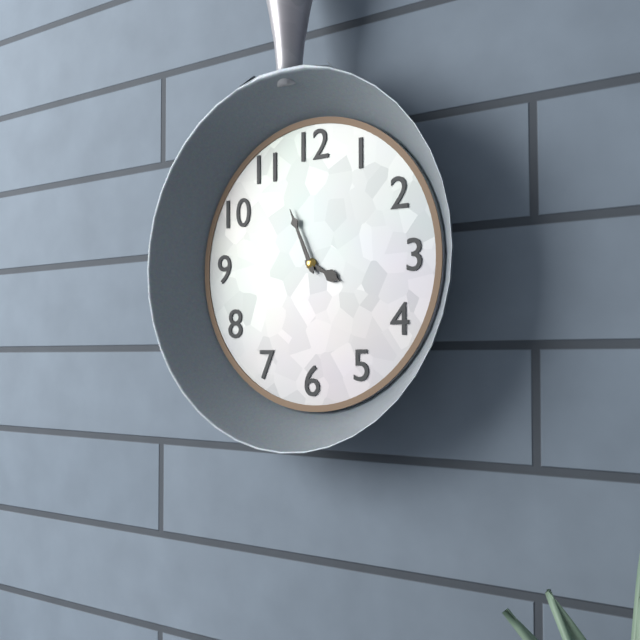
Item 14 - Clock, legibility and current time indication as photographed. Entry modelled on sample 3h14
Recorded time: 3h56
